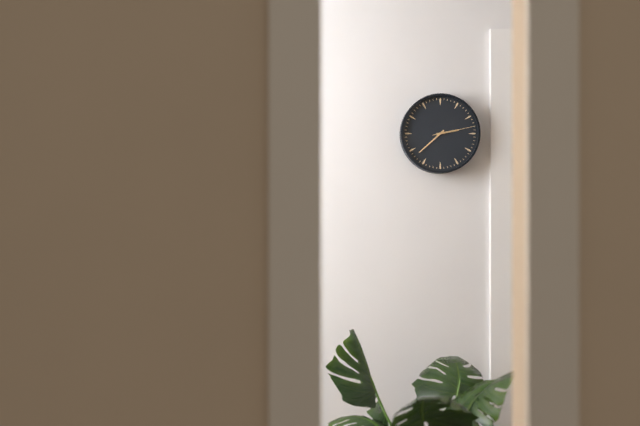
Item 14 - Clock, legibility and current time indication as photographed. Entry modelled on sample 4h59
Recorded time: 2h38
